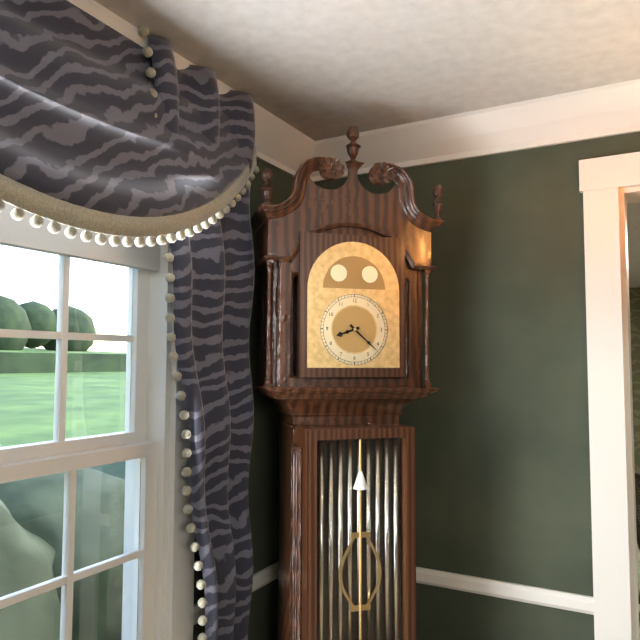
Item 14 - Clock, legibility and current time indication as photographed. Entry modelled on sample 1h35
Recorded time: 8h22
